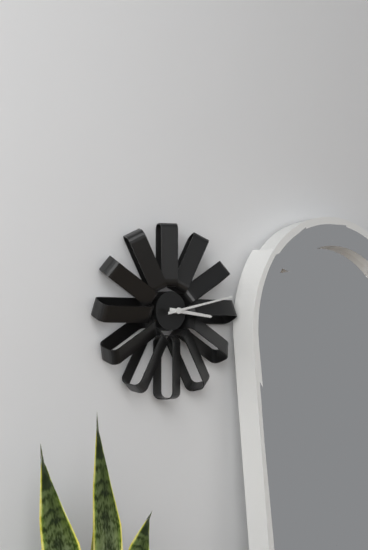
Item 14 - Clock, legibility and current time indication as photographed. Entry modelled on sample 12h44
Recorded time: 3h13
